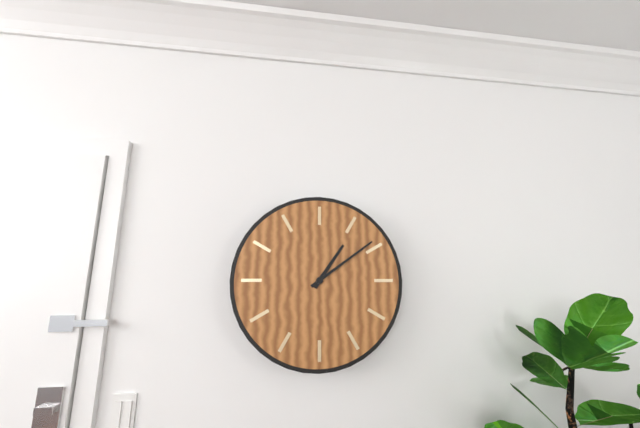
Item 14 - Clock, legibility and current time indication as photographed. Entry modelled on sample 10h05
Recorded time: 1h09
